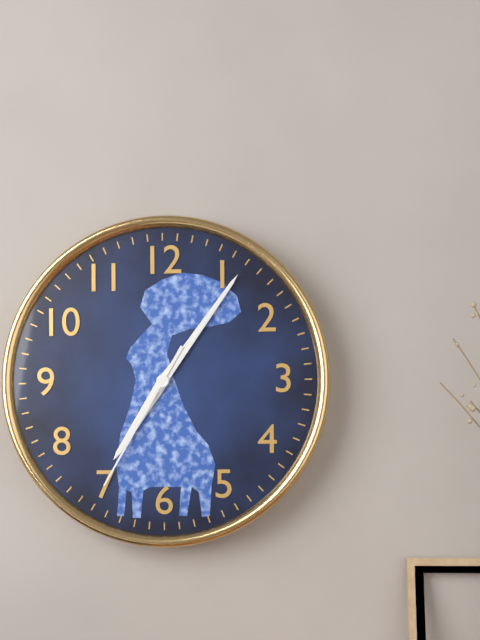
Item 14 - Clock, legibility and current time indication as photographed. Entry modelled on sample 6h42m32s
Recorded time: 7h06m35s
